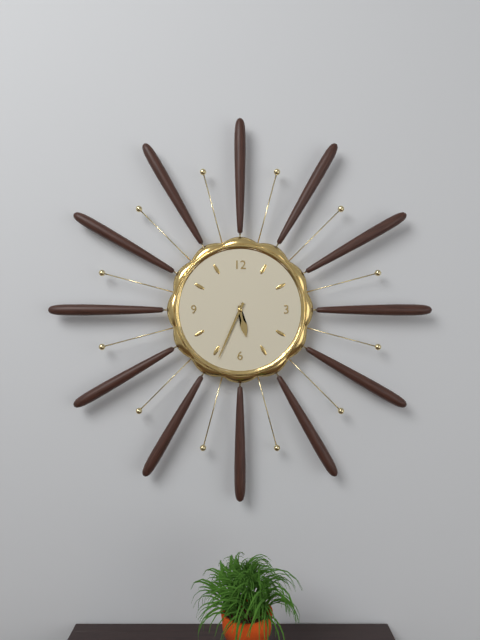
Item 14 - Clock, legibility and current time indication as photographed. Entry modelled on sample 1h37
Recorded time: 5h34
